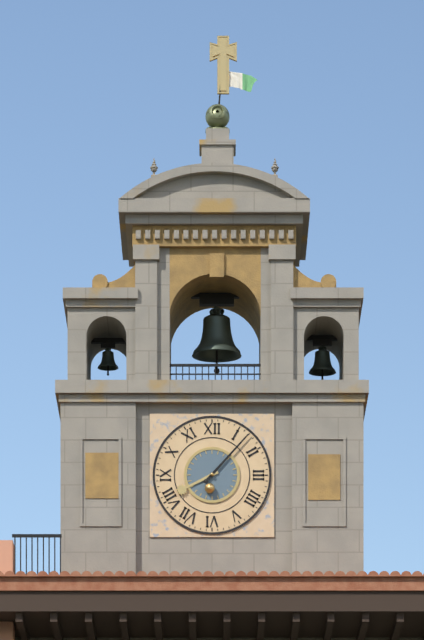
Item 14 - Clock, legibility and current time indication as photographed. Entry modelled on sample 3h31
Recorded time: 8h07
